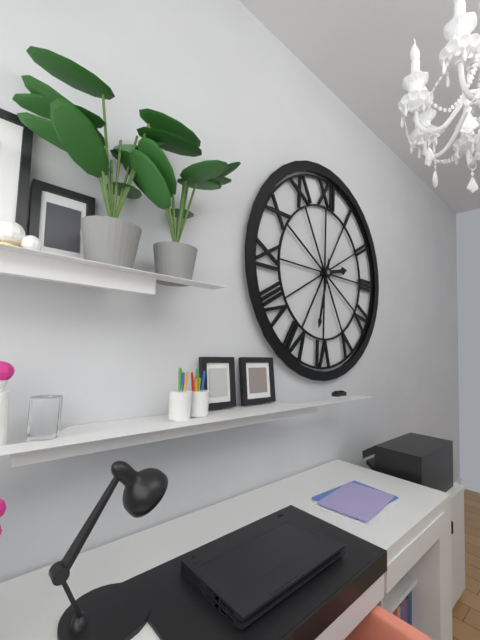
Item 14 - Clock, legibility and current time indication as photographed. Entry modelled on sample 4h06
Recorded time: 2h32
